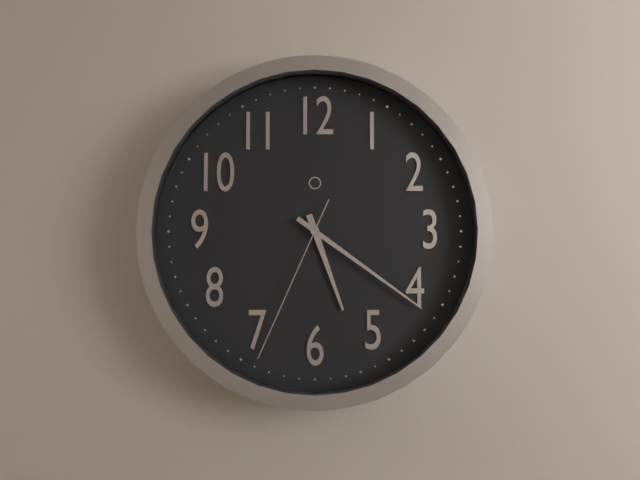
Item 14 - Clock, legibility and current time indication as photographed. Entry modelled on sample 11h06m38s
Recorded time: 5h21m34s
